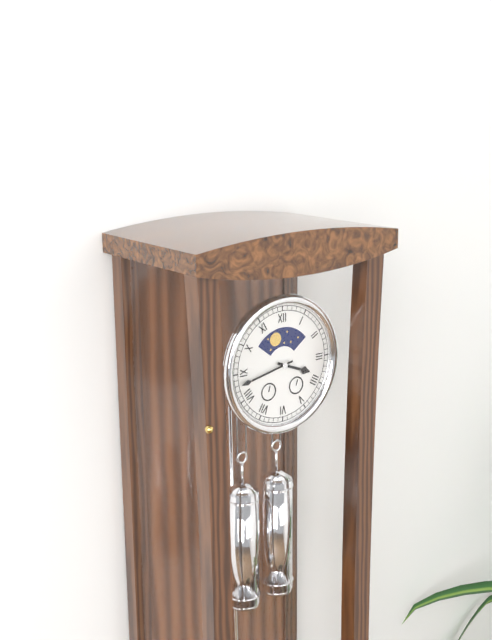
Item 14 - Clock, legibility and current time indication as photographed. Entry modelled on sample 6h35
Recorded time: 3h43
